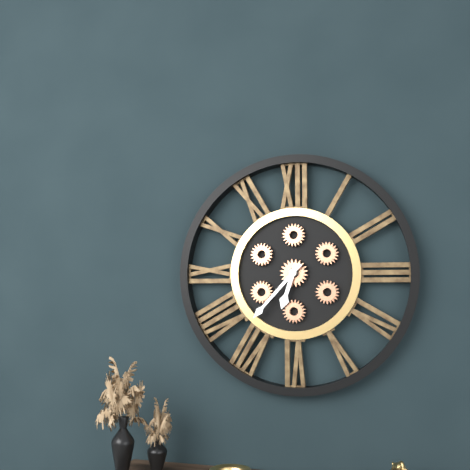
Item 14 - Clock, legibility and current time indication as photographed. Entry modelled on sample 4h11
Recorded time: 6h37
